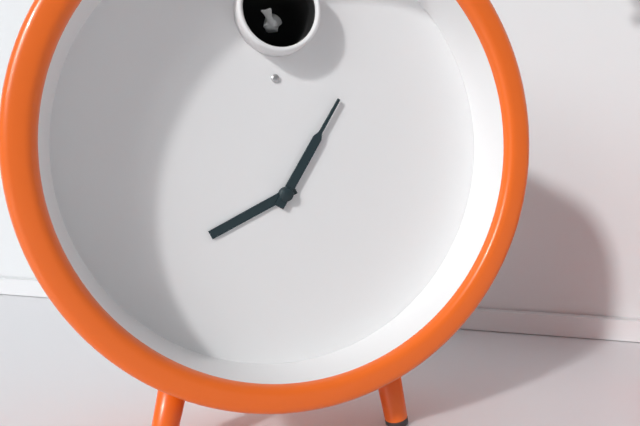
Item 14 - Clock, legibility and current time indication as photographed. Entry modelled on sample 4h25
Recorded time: 8h05
